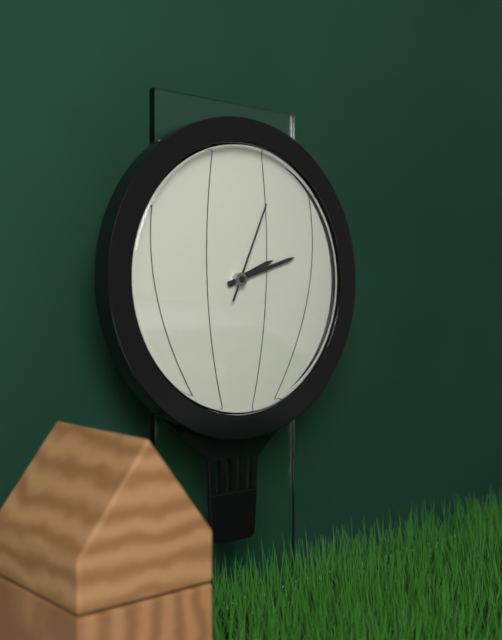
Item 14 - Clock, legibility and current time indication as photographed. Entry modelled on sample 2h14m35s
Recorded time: 2h12m04s
